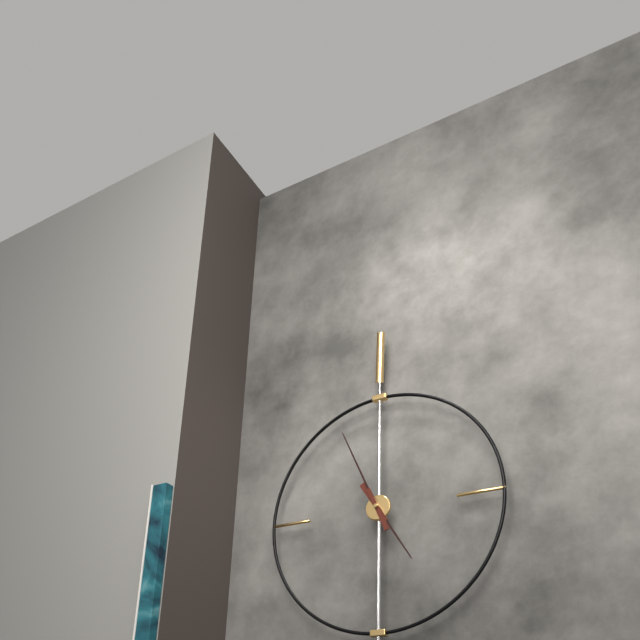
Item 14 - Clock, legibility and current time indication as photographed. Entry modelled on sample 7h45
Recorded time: 4h56
